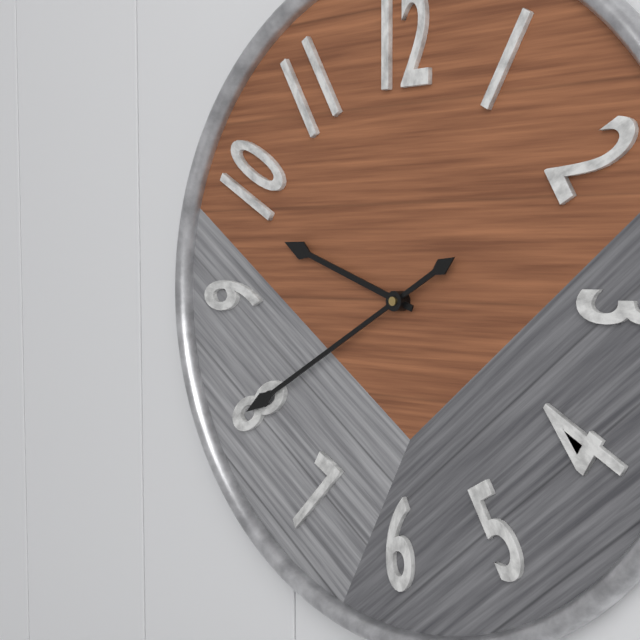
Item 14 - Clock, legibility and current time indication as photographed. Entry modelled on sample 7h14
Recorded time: 9h40
